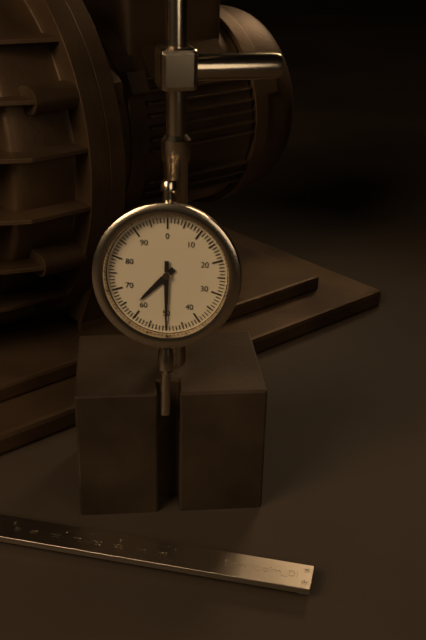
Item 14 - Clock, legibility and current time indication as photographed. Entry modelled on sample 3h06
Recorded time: 7h30
